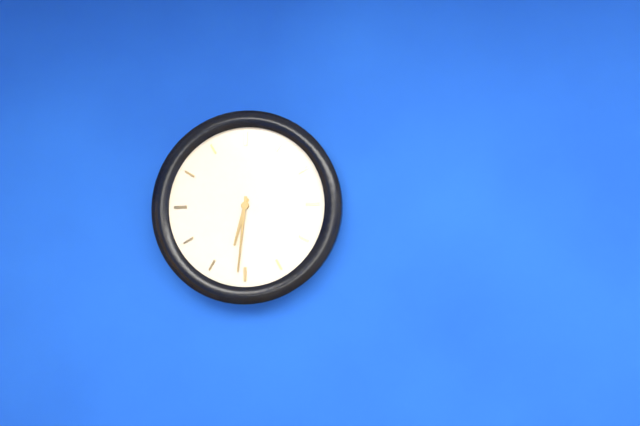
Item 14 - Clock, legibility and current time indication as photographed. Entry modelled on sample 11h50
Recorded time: 6h31
